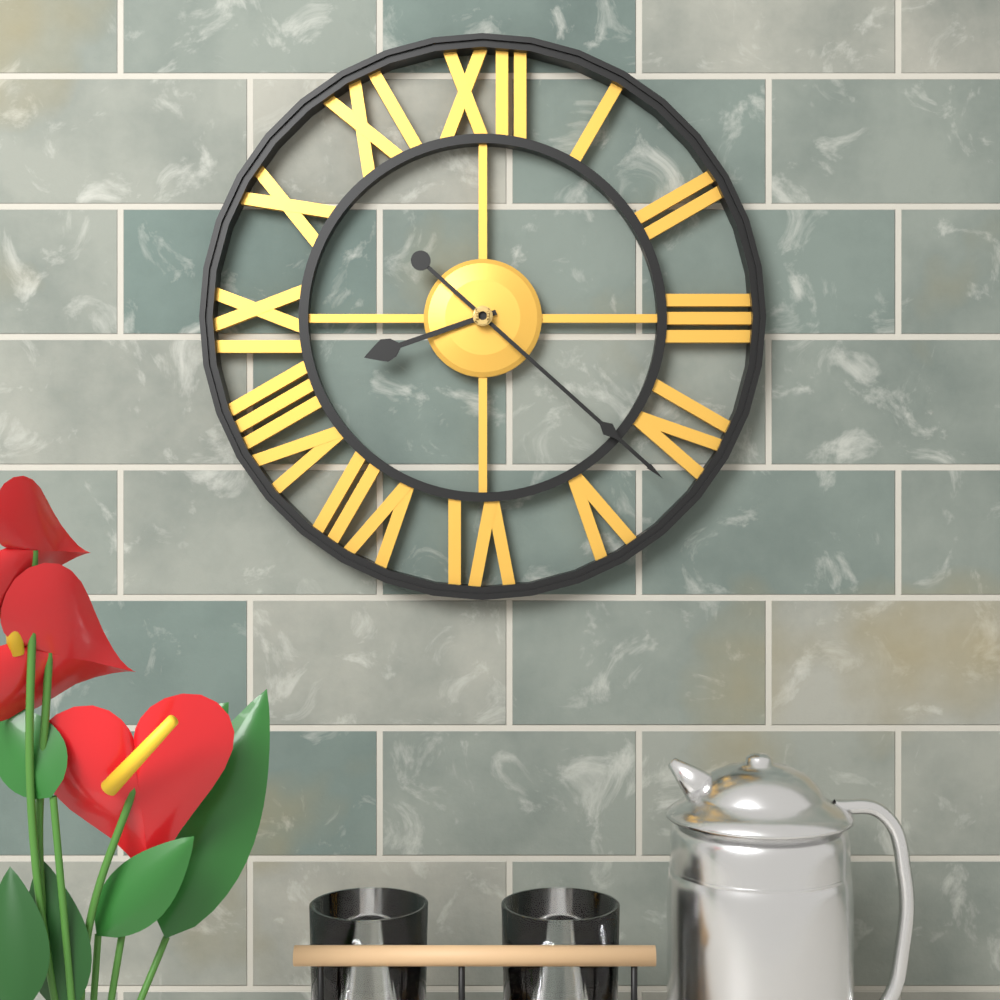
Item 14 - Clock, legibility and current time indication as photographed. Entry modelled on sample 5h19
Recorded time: 8h22
